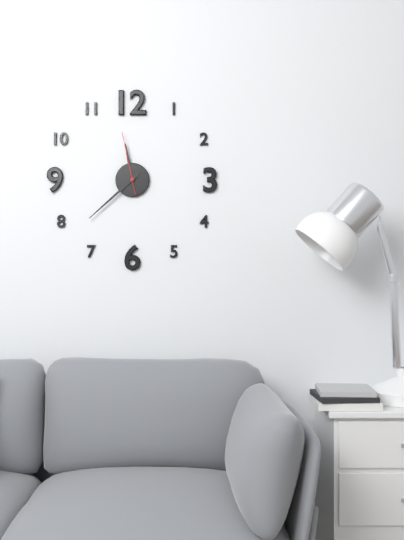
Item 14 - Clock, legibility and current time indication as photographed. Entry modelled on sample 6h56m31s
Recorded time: 11h38m58s
